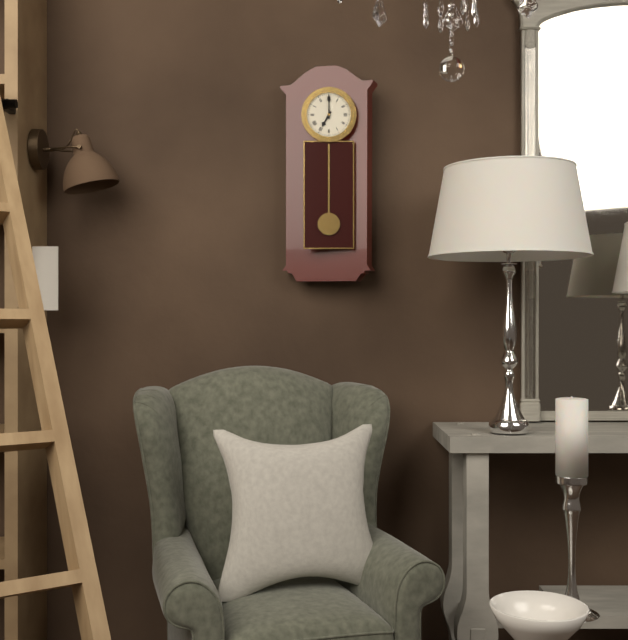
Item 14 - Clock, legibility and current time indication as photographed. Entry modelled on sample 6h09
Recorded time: 7h00
